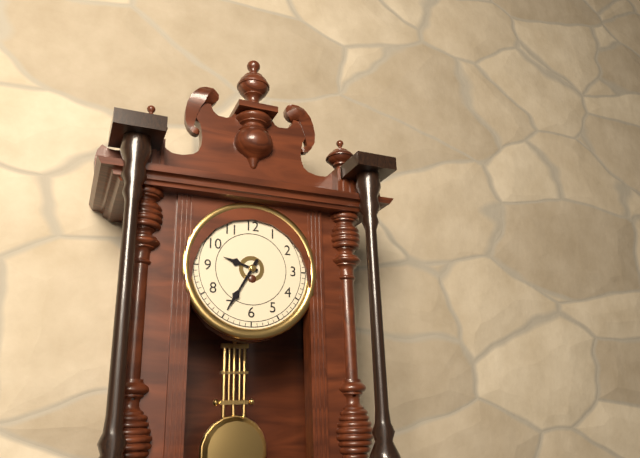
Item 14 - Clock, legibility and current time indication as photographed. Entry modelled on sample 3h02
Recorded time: 9h35
